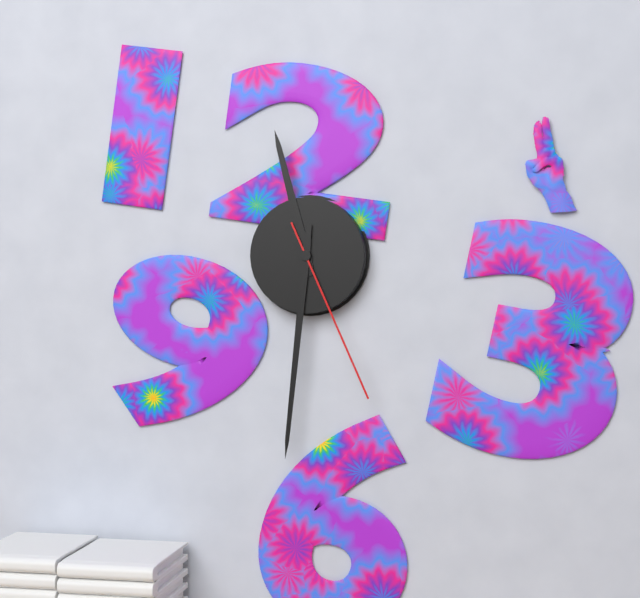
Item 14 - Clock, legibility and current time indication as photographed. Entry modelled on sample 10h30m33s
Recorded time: 11h31m26s
